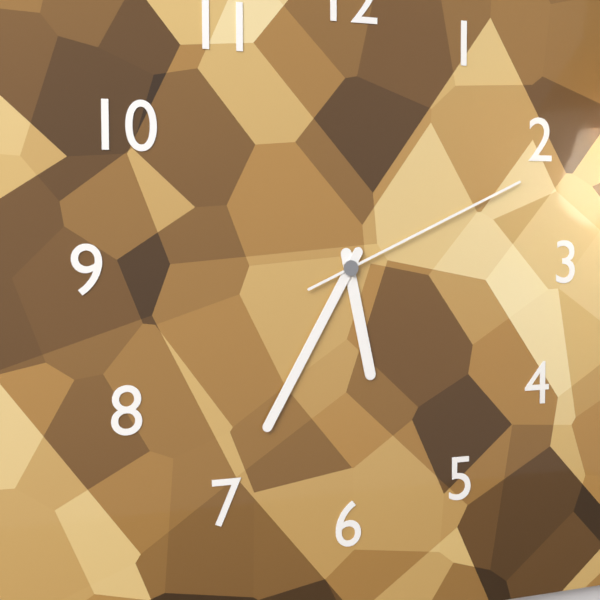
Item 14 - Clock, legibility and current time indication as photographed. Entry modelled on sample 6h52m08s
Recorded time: 5h35m11s
